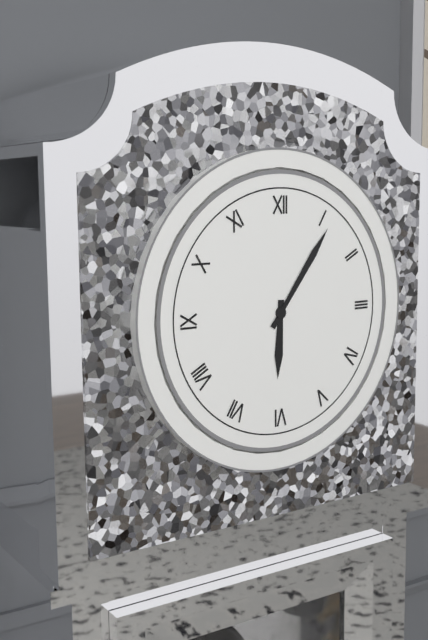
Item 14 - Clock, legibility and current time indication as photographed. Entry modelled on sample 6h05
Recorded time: 6h06
